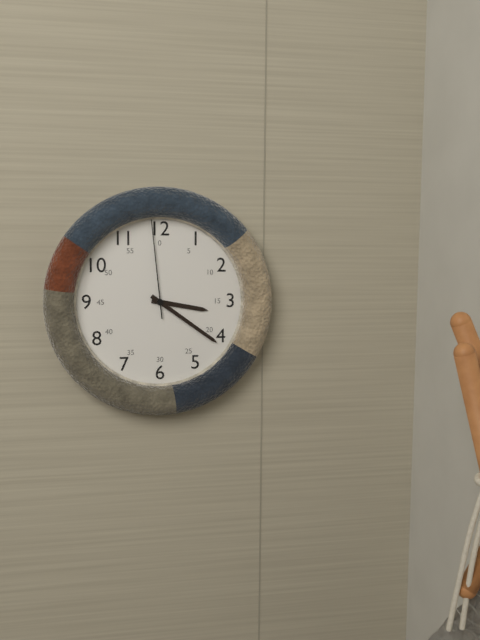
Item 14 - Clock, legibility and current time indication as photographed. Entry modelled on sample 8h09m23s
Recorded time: 3h21m59s
